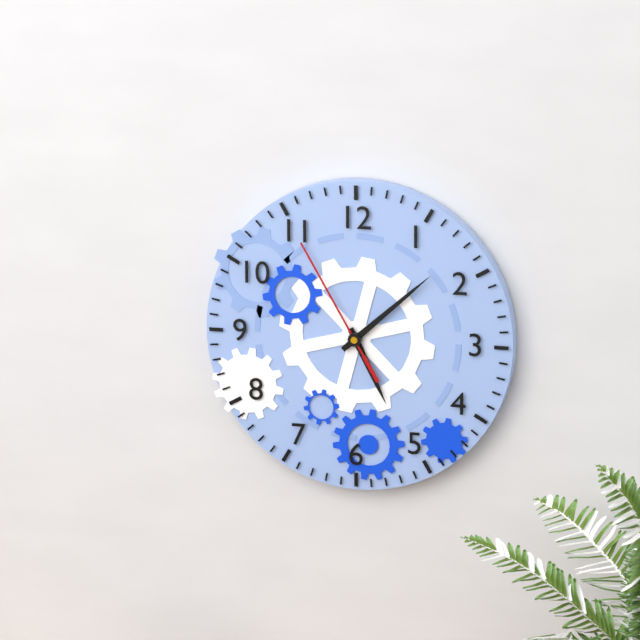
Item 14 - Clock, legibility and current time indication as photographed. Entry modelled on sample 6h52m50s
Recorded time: 5h08m55s
